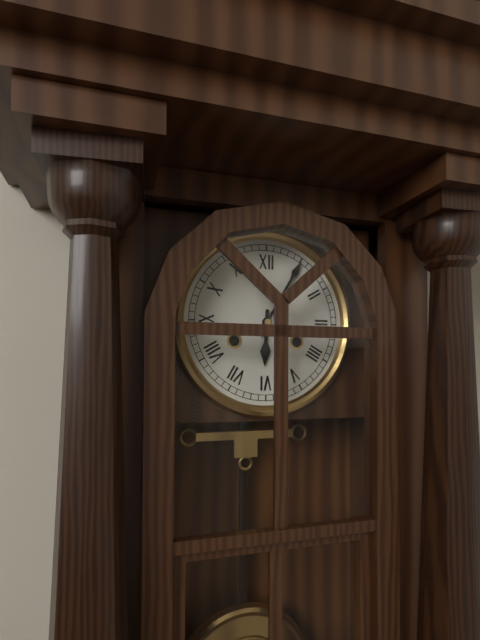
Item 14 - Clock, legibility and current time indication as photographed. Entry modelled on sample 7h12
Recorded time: 6h05
